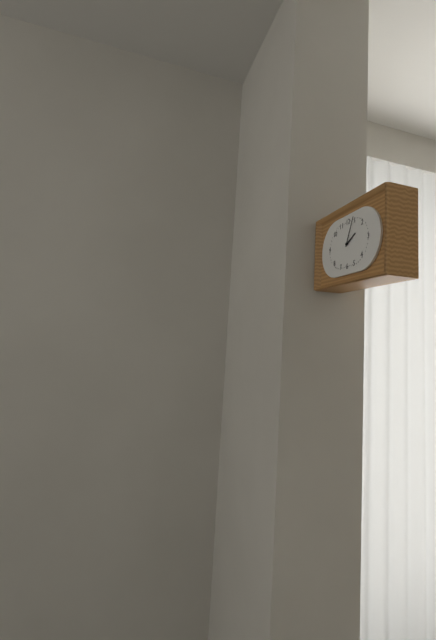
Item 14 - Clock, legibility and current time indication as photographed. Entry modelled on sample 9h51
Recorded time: 2h04
